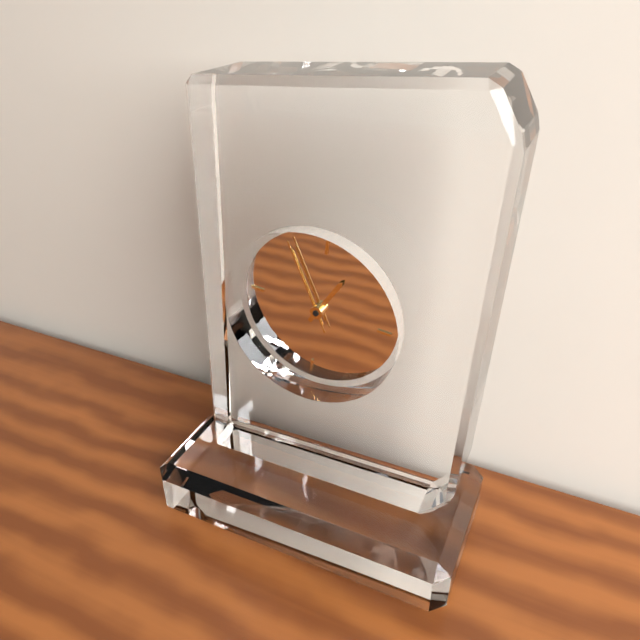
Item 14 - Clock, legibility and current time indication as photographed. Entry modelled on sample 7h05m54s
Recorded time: 12h55m55s
